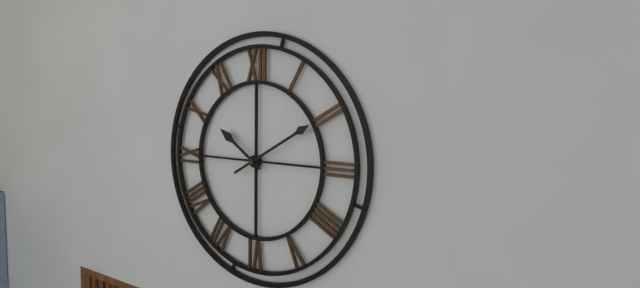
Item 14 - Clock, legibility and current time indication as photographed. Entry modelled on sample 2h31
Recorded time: 10h10
